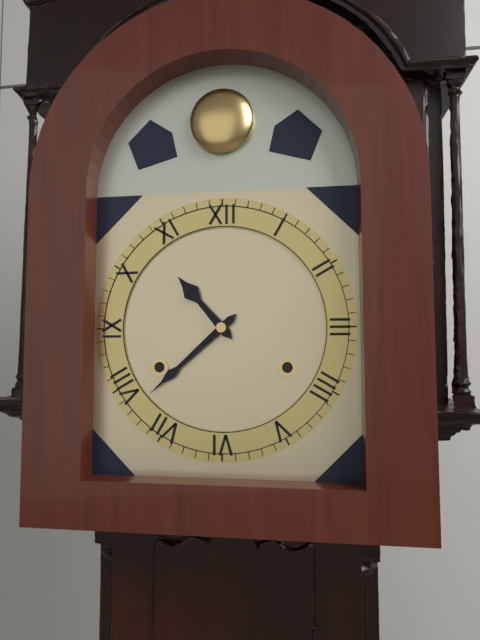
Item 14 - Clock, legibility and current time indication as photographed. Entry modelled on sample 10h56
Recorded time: 10h38
